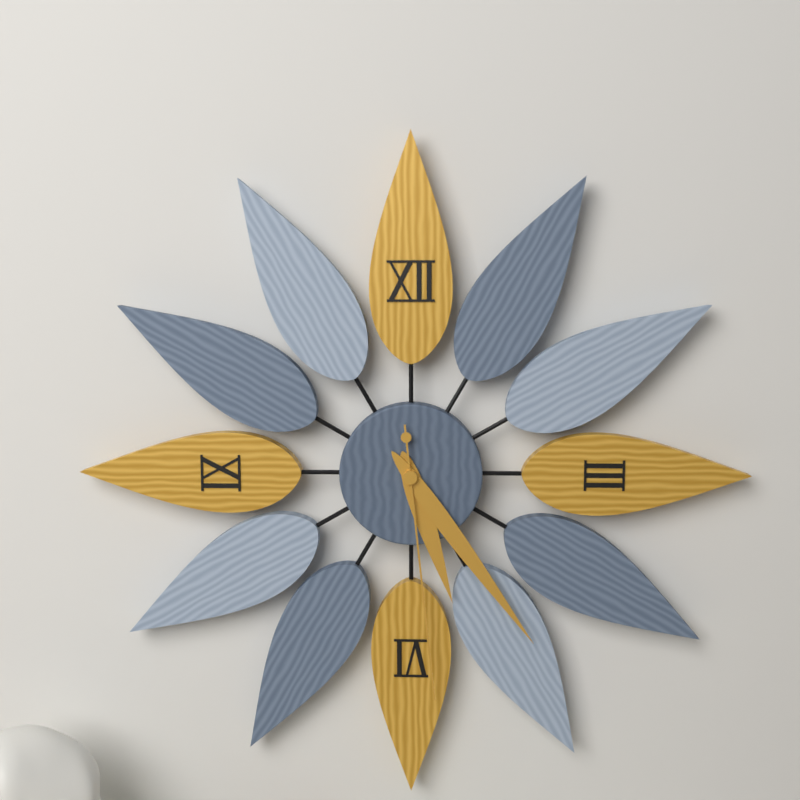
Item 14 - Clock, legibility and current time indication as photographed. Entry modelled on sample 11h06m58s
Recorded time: 5h24m29s
